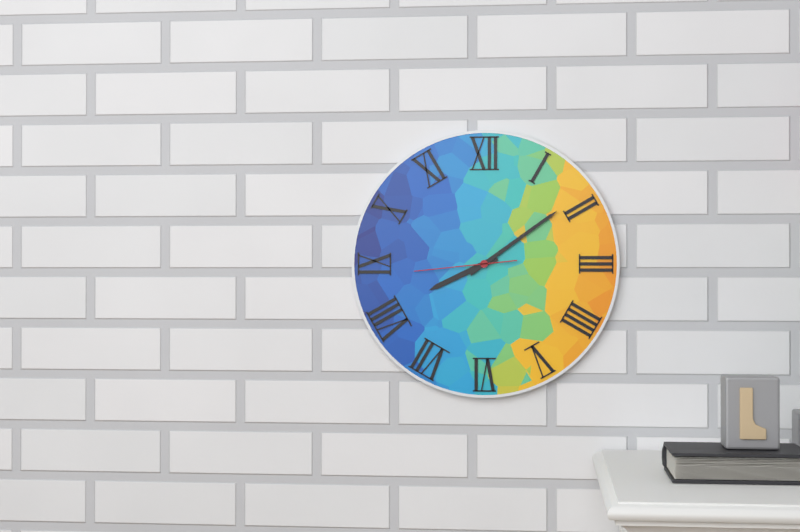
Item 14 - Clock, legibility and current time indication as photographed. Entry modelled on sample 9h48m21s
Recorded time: 8h09m44s
